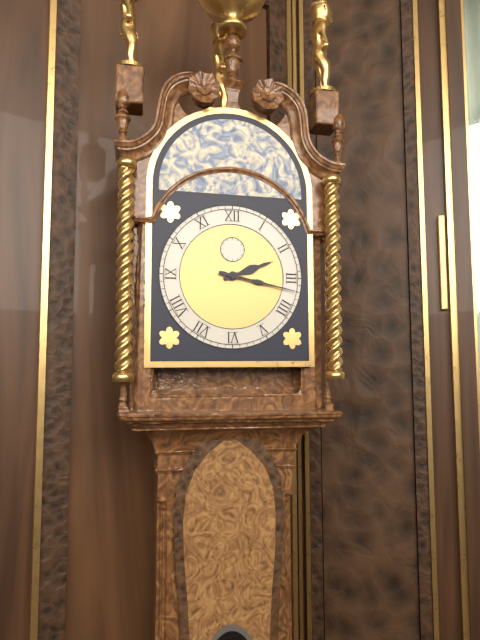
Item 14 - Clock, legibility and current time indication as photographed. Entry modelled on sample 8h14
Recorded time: 2h17
